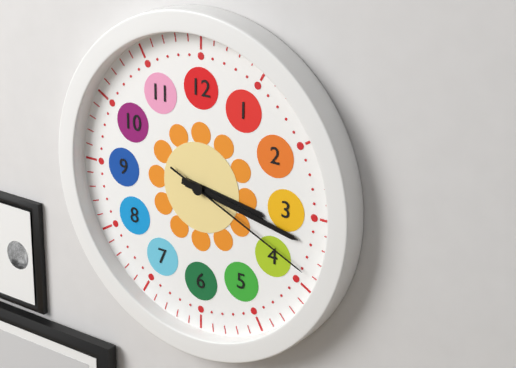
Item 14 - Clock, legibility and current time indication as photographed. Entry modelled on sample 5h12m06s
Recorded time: 3h17m19s
